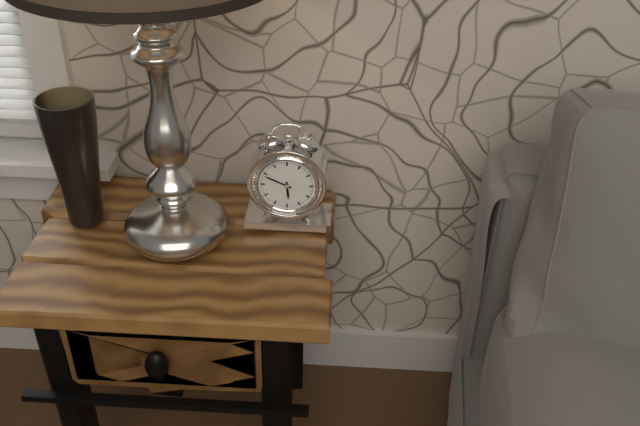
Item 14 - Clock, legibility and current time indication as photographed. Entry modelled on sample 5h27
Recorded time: 5h49
